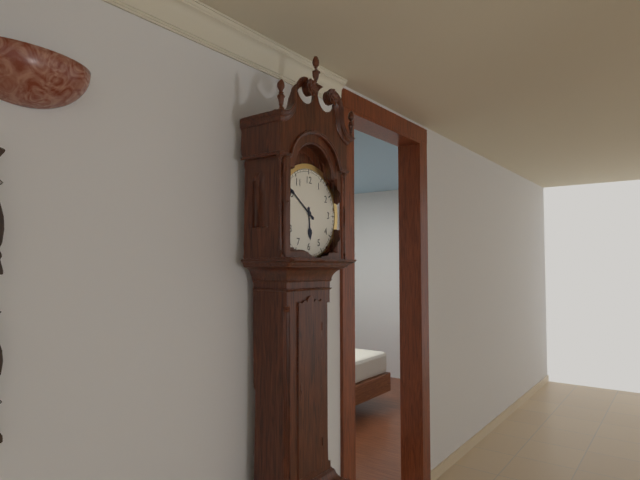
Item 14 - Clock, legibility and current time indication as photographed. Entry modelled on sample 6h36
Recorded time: 5h51
